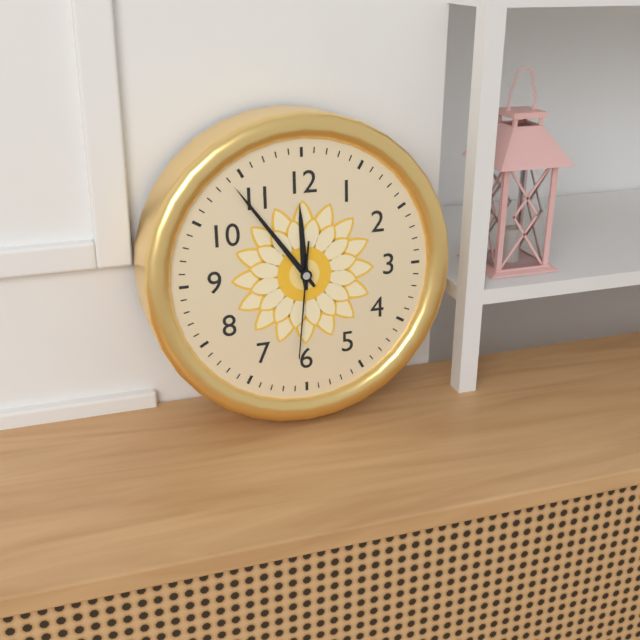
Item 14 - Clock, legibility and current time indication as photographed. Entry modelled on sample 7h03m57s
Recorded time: 11h54m31s
